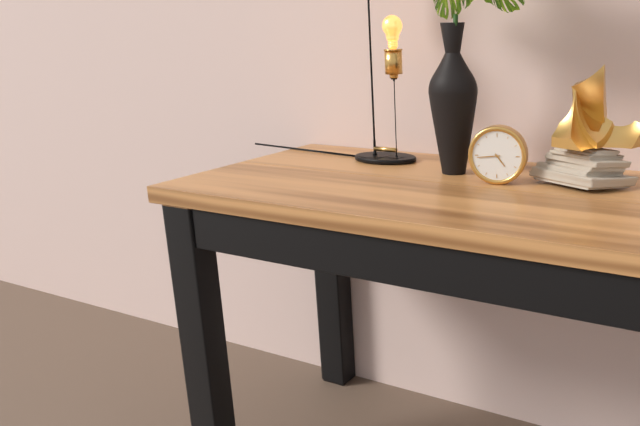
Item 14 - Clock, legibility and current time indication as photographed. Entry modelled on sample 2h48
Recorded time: 4h44
